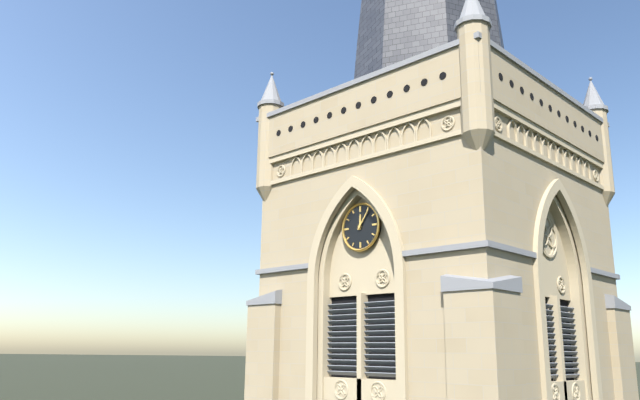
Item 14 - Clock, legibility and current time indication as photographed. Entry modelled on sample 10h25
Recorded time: 12h06
